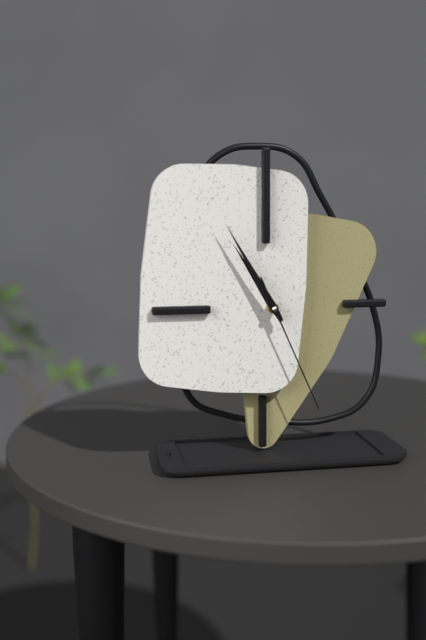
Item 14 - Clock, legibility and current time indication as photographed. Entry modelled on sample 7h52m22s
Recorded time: 10h55m26s
